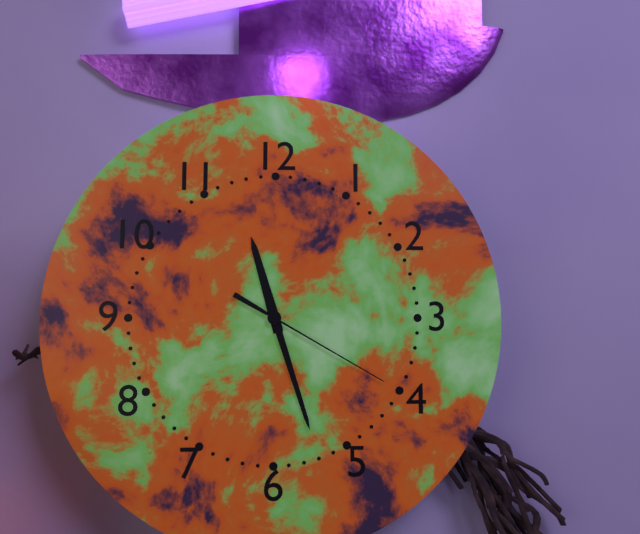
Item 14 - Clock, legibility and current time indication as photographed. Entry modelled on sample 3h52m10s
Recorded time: 11h27m20s
